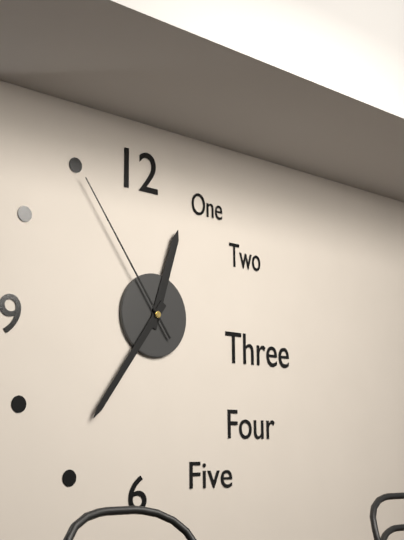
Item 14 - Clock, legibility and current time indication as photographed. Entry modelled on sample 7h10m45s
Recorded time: 12h36m54s
